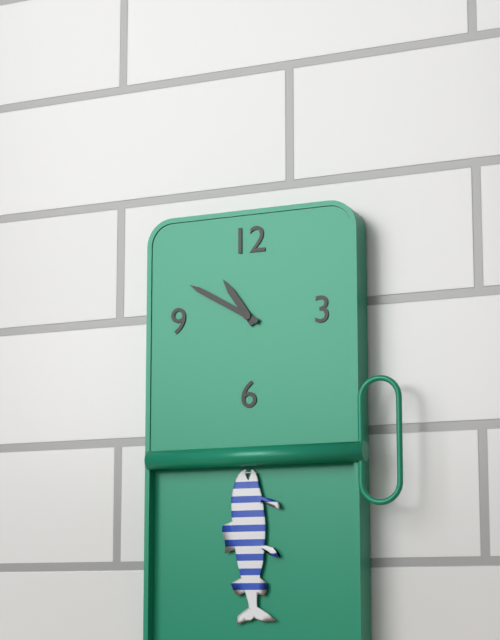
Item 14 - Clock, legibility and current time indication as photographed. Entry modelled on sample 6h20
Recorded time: 10h50
